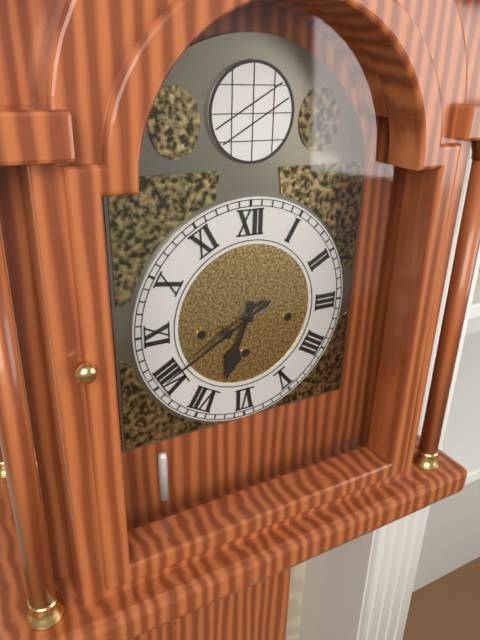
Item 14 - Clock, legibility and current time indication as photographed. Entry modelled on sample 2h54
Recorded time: 6h40
